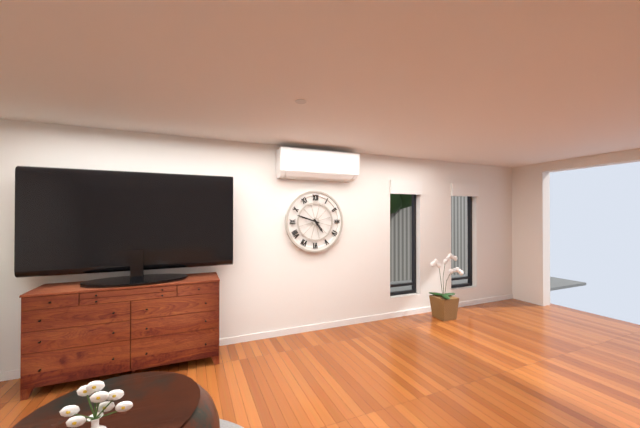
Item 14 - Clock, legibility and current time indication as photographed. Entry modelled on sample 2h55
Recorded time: 4h48
